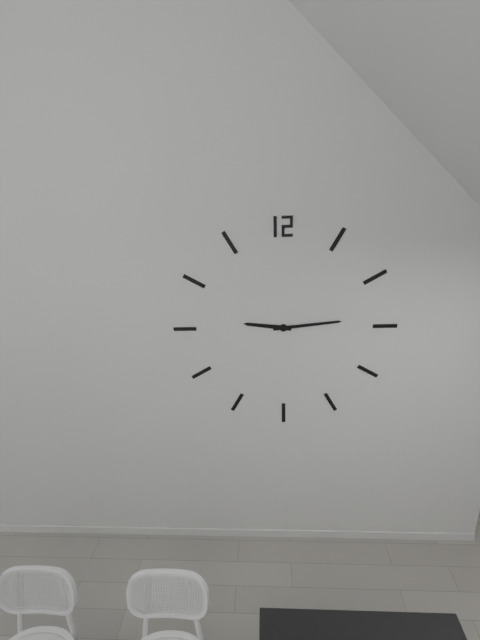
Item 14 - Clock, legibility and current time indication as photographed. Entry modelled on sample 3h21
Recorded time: 9h14
